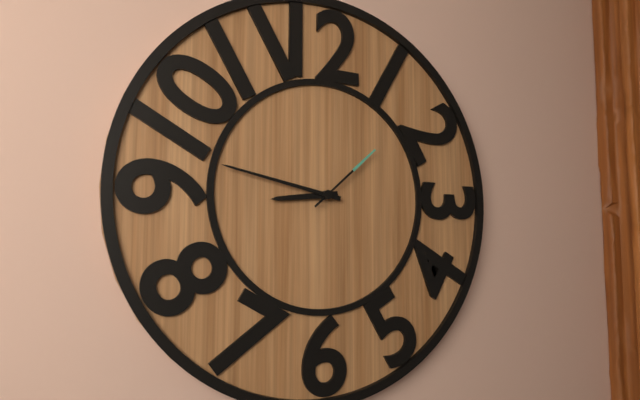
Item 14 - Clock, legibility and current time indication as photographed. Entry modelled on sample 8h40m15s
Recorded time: 8h47m08s
